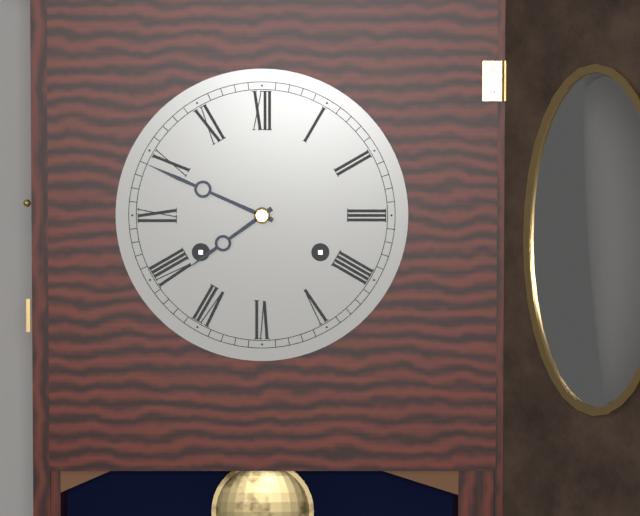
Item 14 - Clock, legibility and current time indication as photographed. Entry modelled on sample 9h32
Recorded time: 7h49
